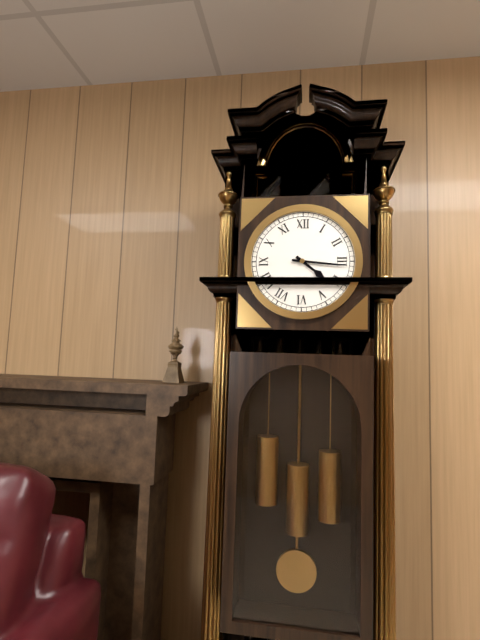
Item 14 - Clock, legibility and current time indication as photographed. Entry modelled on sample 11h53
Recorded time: 4h16
